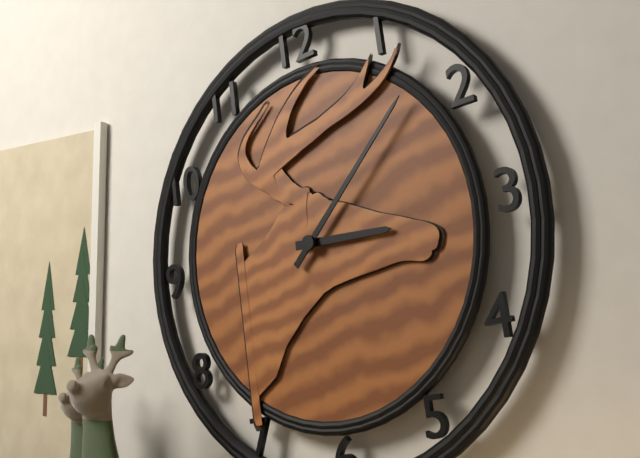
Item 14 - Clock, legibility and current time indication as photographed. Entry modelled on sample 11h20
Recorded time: 3h08
